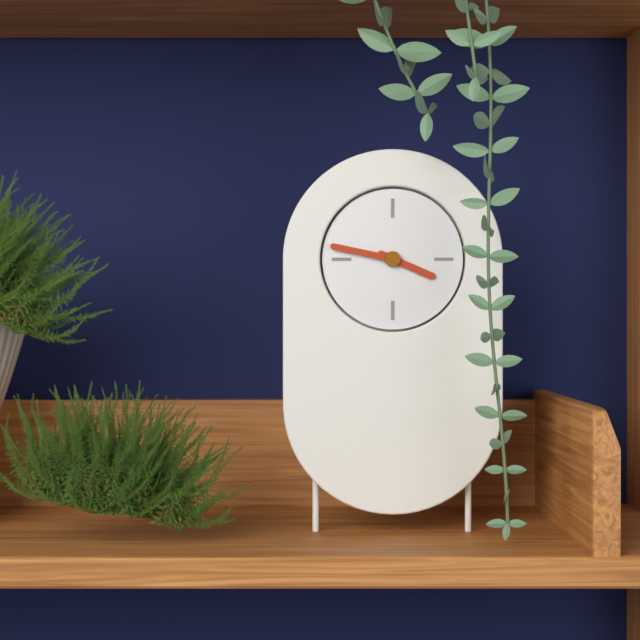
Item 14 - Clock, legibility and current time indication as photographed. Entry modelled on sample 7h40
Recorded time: 3h47
